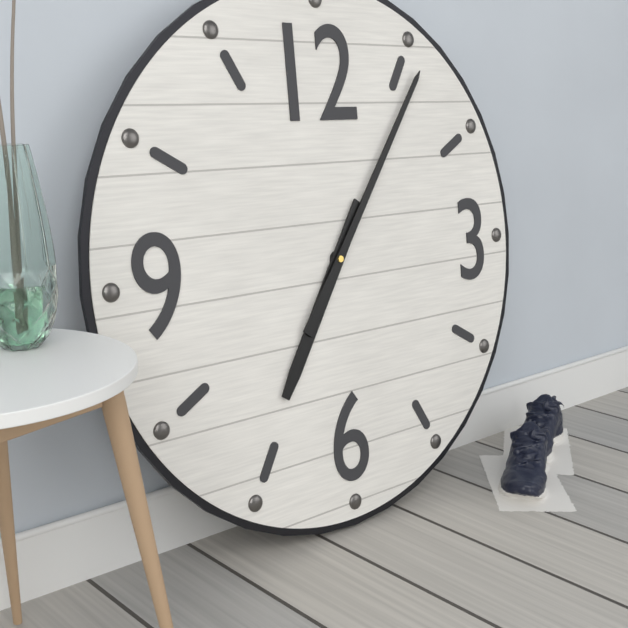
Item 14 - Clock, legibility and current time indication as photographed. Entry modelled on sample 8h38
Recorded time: 7h06
